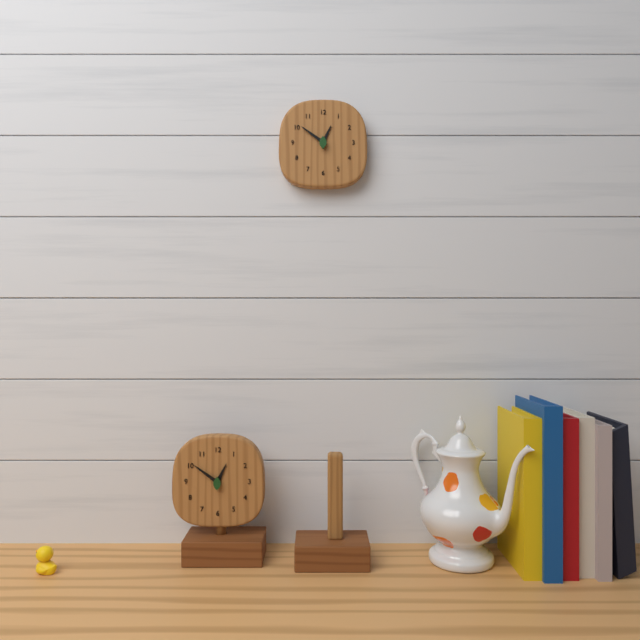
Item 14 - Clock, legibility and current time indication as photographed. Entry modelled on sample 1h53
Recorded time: 12h51
